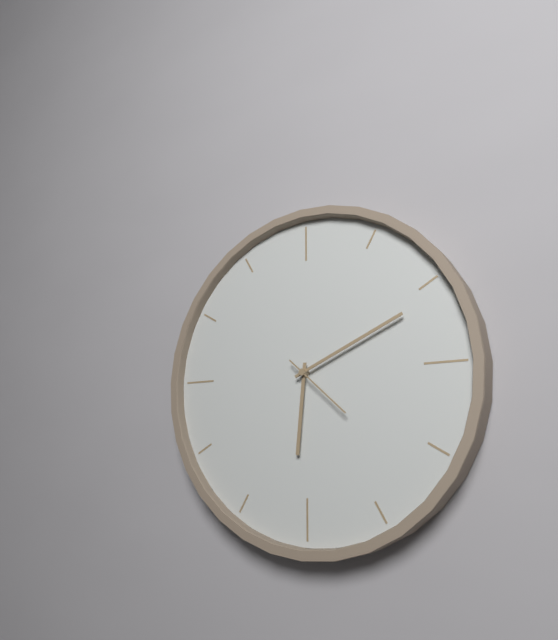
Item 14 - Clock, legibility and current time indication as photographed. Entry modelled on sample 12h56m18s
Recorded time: 6h11m22s
